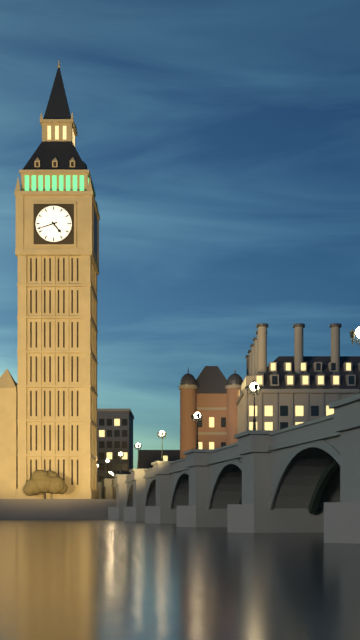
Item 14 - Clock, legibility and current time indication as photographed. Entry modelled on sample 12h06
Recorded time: 4h42
